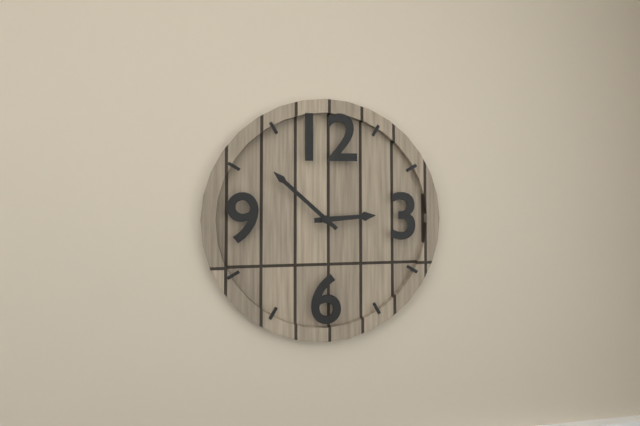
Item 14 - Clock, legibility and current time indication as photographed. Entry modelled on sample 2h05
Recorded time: 2h52
